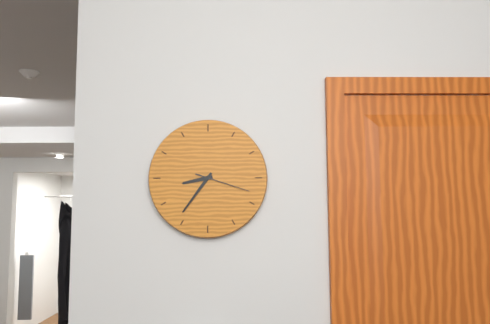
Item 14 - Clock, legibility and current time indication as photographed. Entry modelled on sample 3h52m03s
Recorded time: 8h36m18s
